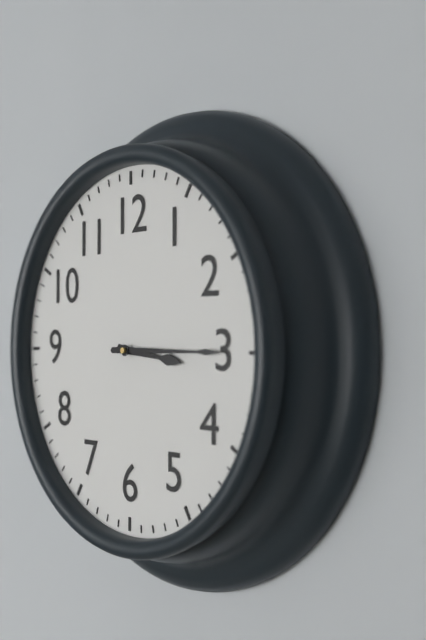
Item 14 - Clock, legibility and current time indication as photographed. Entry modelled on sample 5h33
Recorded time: 3h15
